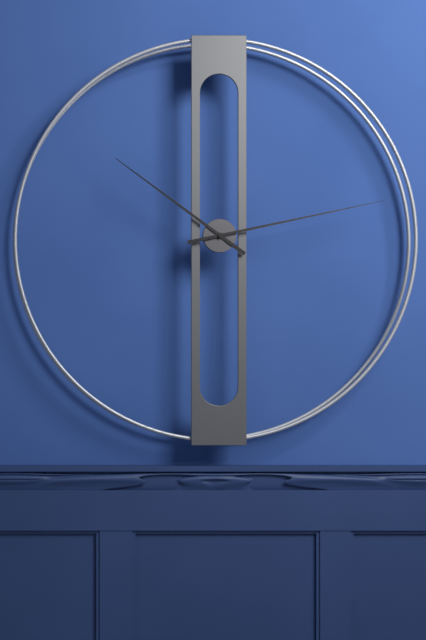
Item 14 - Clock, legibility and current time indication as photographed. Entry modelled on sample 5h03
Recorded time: 10h13
